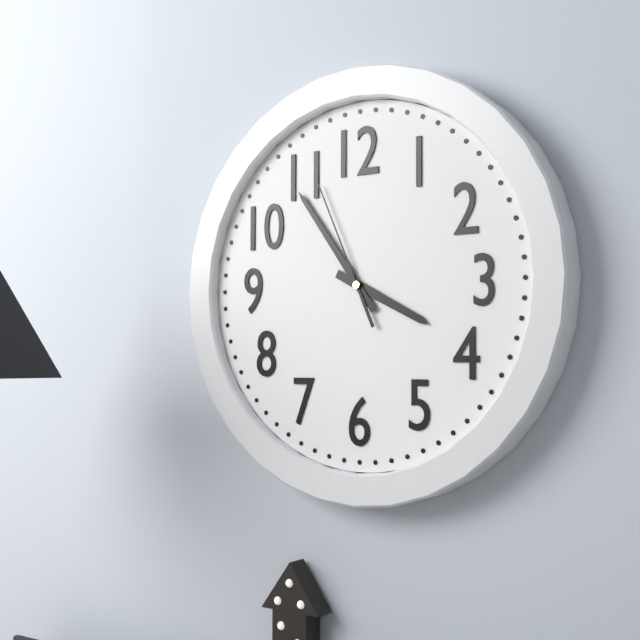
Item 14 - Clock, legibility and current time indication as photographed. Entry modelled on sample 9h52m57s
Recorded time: 3h54m56s
